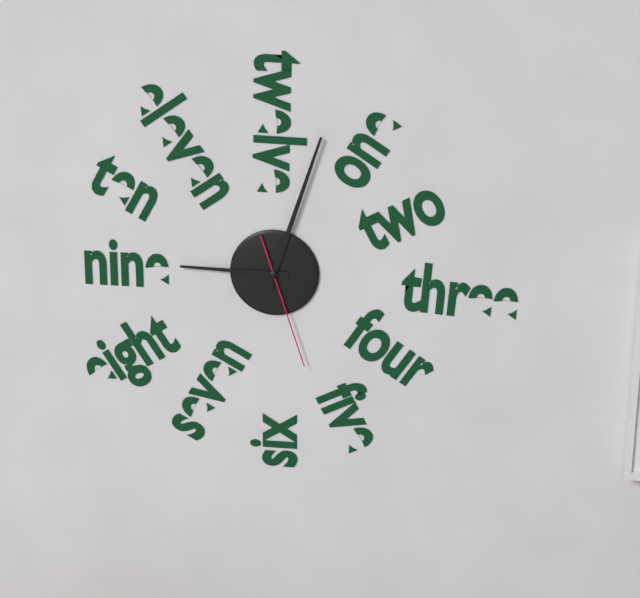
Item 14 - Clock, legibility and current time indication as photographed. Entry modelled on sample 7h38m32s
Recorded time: 9h03m27s
